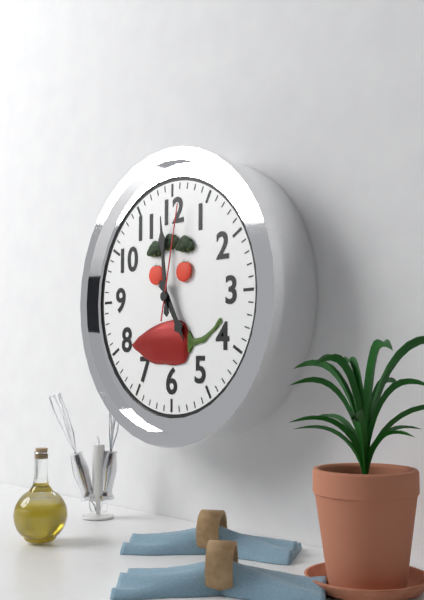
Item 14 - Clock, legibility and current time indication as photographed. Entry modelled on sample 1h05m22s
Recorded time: 4h59m02s
